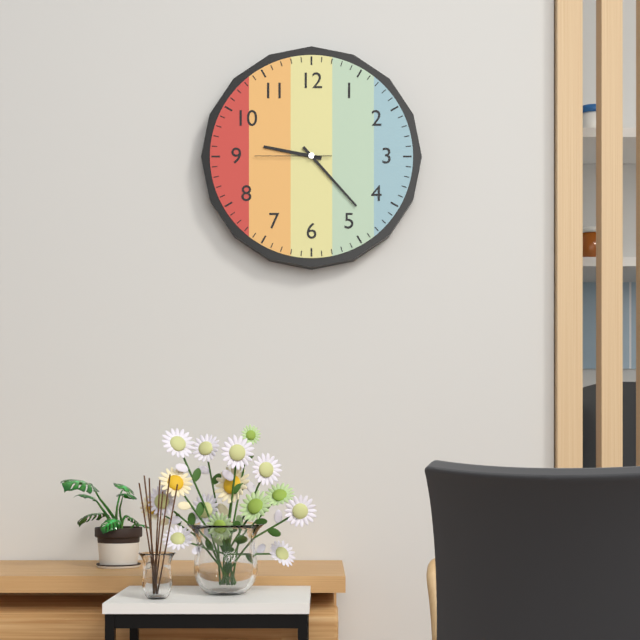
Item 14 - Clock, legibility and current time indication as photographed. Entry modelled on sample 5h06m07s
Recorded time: 9h23m45s
